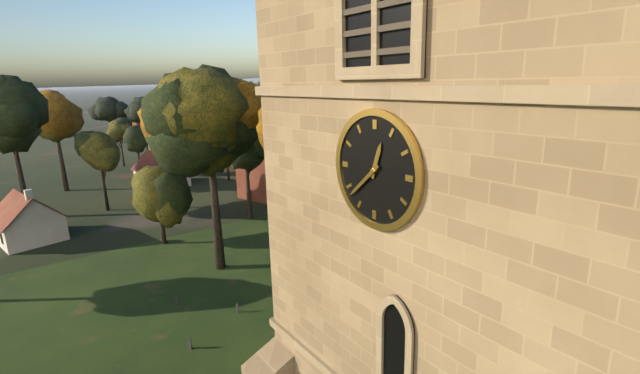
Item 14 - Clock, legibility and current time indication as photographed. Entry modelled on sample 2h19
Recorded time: 12h38
